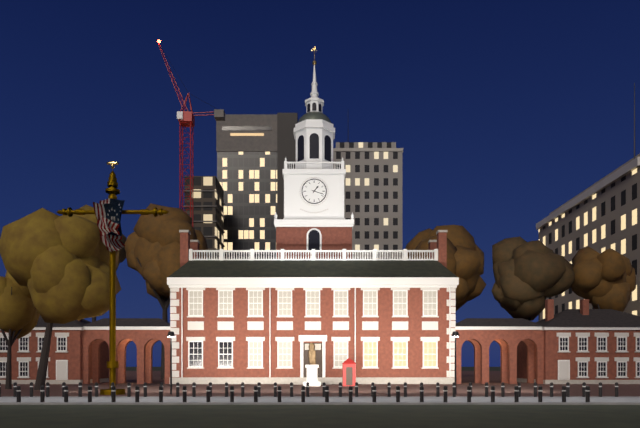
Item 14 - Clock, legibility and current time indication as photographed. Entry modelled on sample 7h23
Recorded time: 1h18
